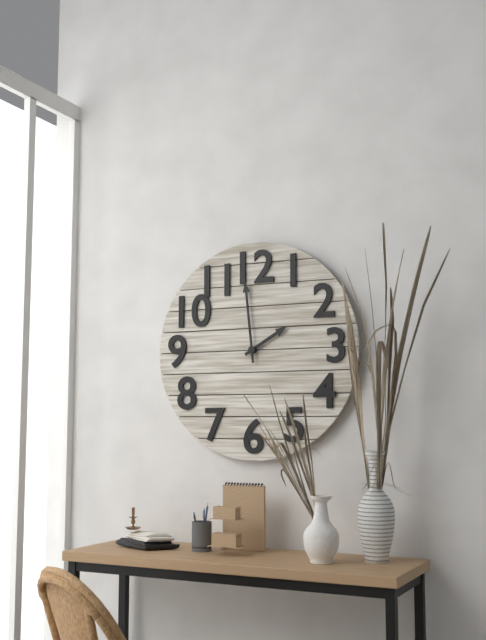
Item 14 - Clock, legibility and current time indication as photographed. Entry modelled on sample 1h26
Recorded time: 1h59
